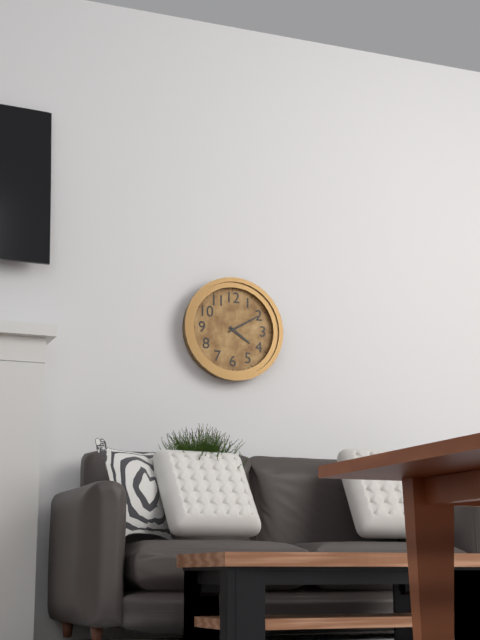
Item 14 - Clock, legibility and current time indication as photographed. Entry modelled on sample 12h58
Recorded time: 4h10
